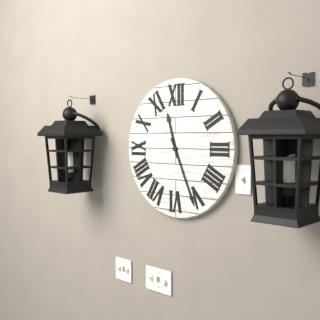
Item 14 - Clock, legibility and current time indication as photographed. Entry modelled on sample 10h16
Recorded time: 11h26
